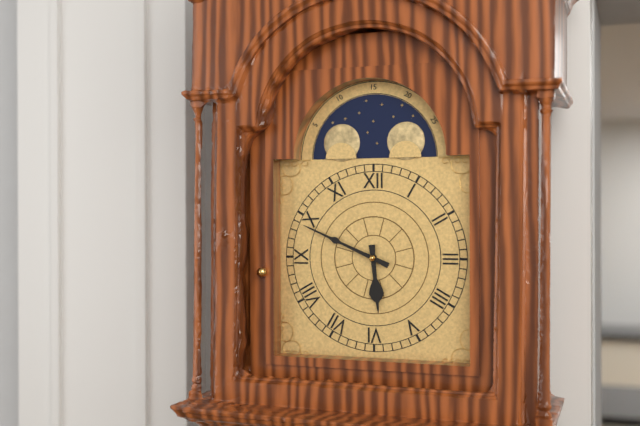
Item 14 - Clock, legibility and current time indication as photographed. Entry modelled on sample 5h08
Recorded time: 5h49
